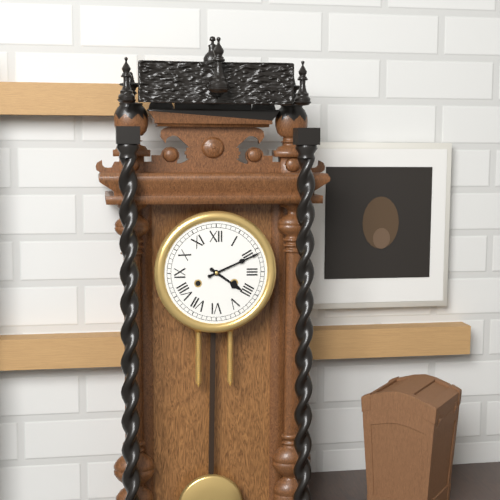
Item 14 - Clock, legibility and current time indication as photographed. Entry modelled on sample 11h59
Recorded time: 4h11
